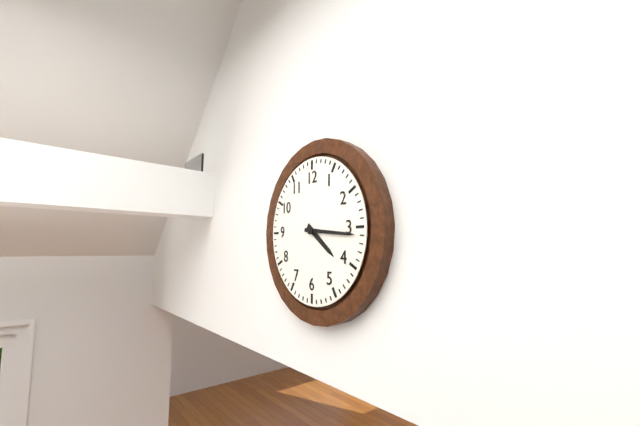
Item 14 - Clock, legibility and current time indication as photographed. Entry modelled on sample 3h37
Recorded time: 4h16
